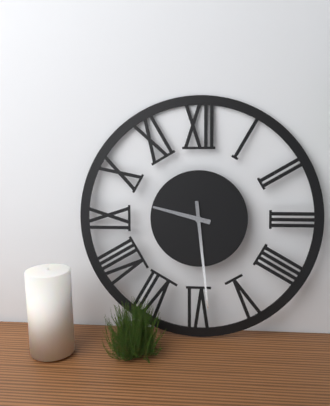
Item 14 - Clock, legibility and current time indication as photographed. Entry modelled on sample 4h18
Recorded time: 9h29
